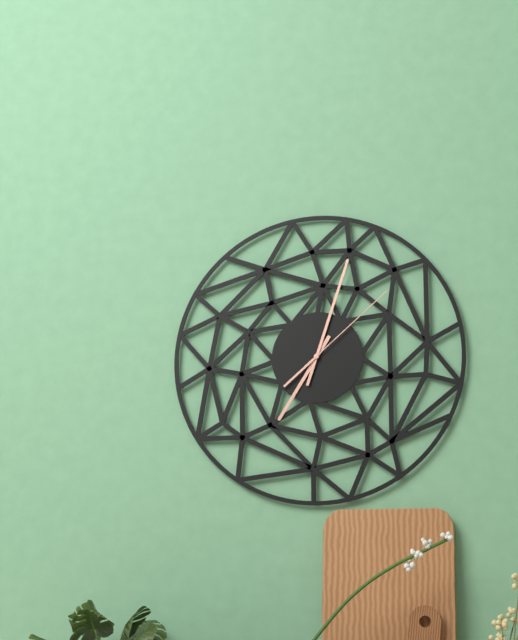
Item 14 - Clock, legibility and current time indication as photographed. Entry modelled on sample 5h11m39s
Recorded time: 7h03m08s
